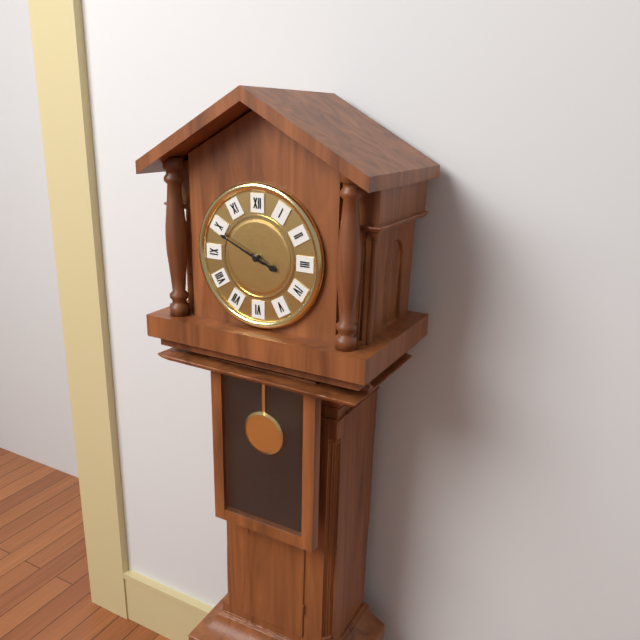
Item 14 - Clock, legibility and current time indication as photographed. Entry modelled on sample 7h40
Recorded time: 3h49
